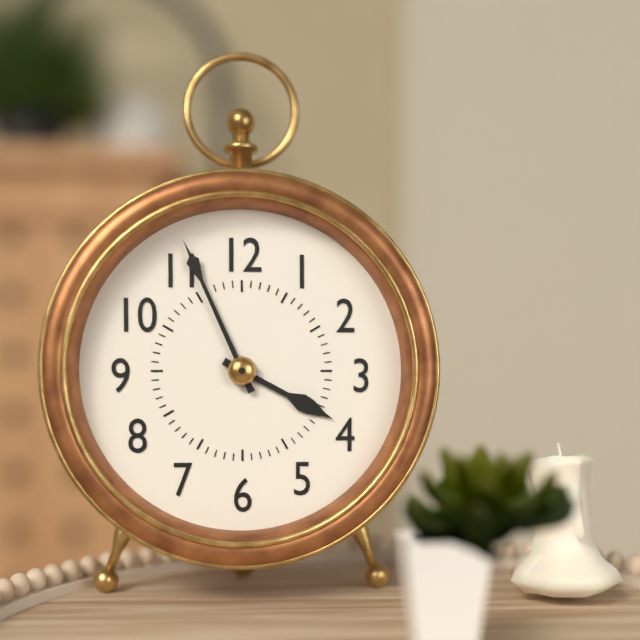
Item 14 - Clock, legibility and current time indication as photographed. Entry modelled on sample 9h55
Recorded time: 3h56
